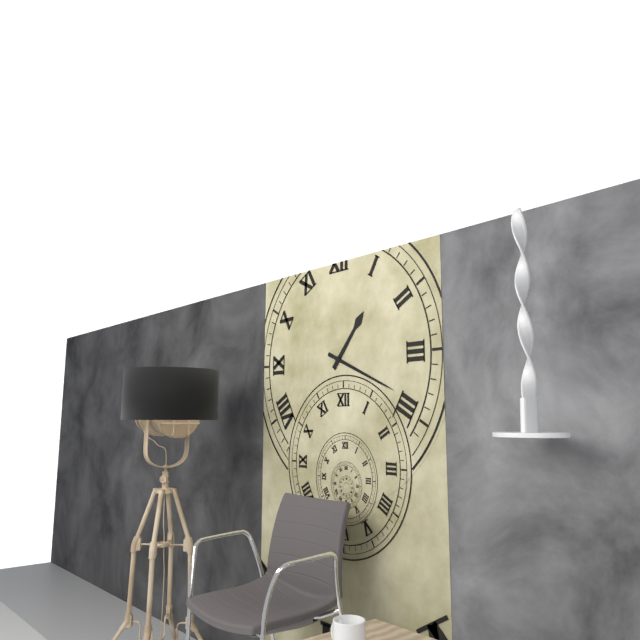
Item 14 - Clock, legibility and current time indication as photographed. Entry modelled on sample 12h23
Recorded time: 1h19
